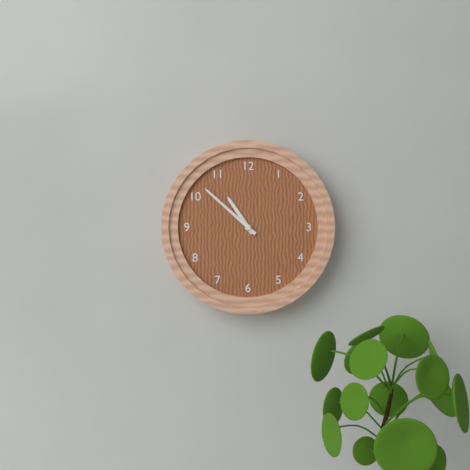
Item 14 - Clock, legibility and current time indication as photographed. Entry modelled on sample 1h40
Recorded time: 10h52
